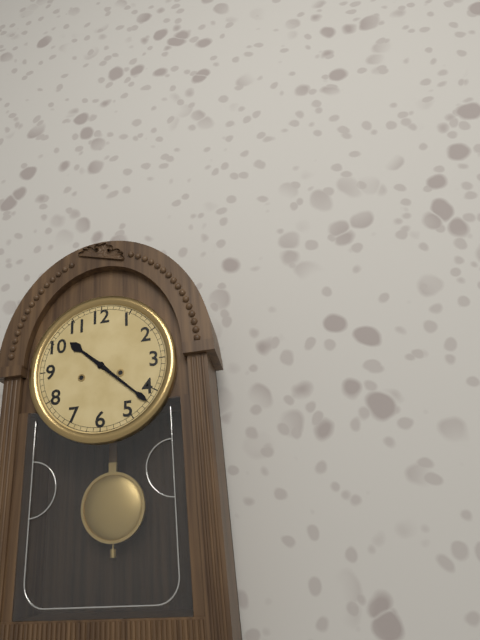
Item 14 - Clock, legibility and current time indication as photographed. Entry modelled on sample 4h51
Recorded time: 10h22
